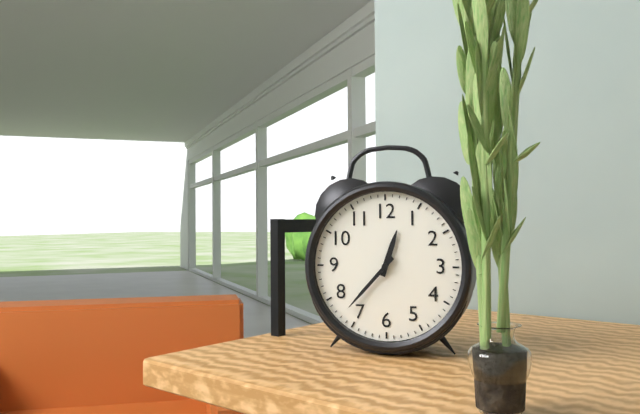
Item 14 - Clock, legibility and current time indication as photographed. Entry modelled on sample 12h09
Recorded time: 12h37
